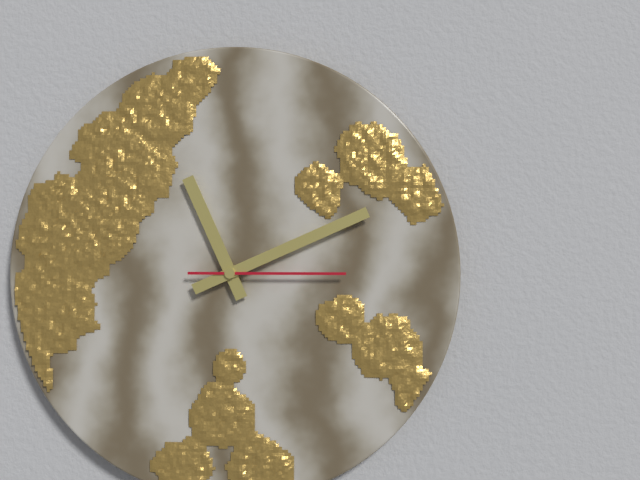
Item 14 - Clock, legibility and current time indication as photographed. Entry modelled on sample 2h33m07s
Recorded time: 11h11m15s
